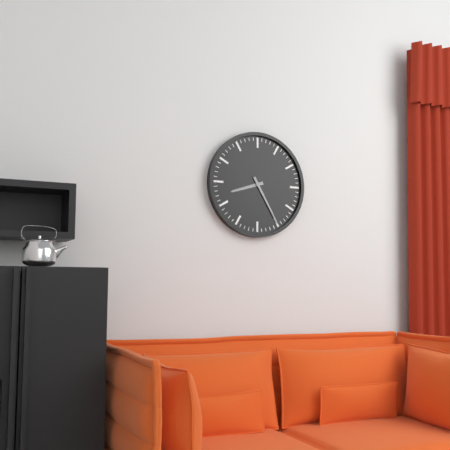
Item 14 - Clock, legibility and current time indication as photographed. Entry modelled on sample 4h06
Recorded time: 8h25
